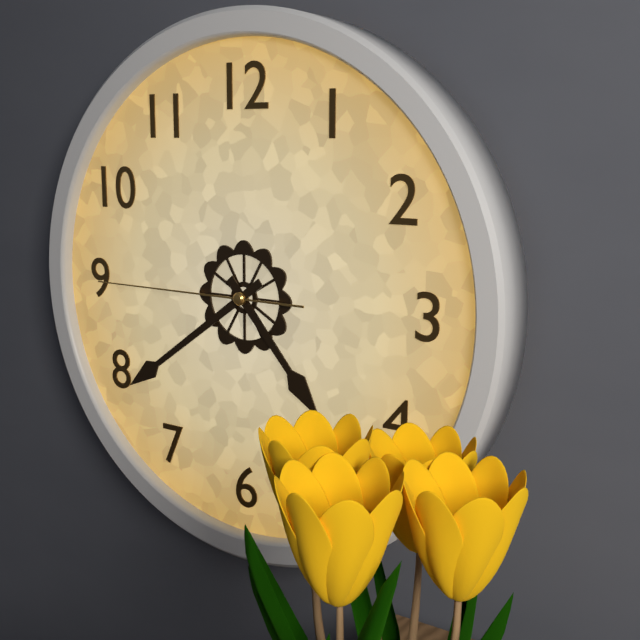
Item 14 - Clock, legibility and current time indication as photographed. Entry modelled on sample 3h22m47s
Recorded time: 4h39m45s
